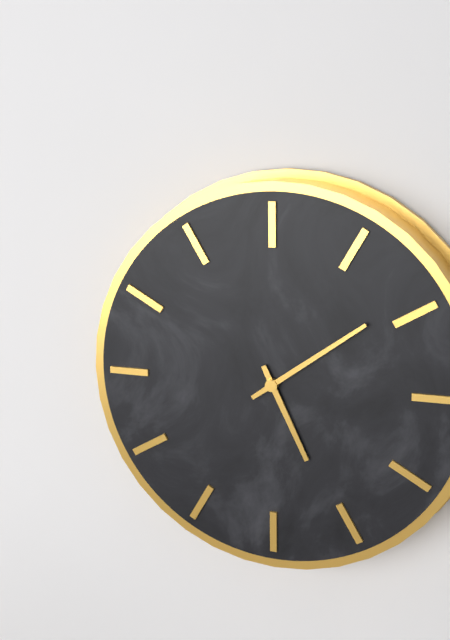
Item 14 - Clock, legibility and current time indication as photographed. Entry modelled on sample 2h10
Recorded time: 5h09
